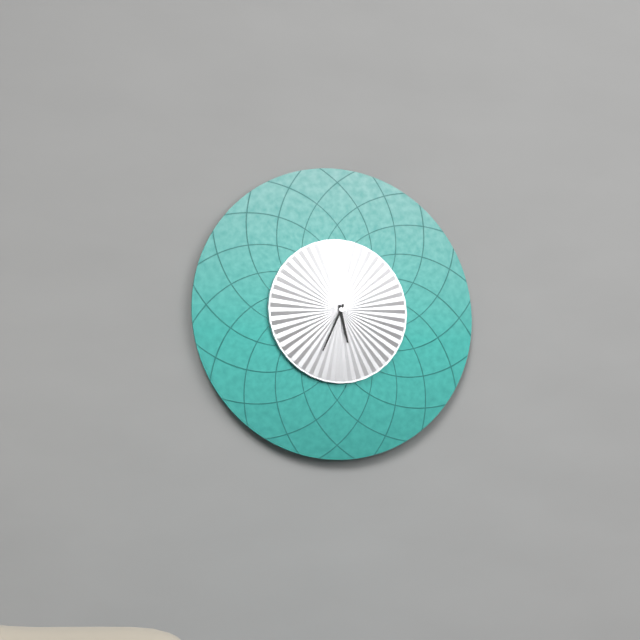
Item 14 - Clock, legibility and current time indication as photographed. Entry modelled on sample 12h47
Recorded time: 5h34
